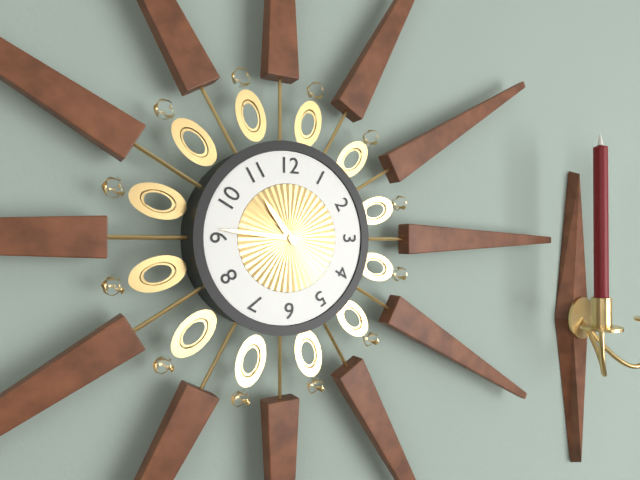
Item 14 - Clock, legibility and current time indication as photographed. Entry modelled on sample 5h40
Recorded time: 10h46
